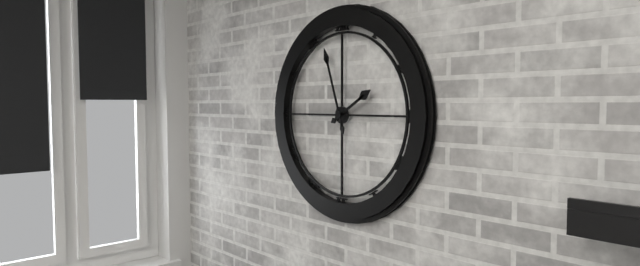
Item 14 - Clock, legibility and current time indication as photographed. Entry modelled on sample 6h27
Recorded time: 1h57
